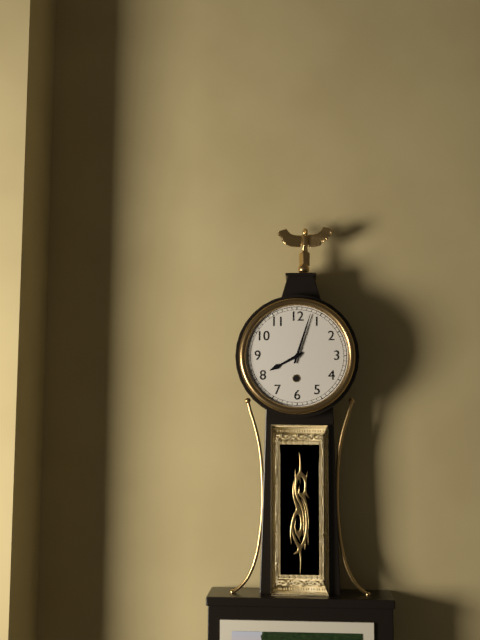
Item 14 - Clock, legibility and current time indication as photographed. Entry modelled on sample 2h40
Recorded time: 8h03
